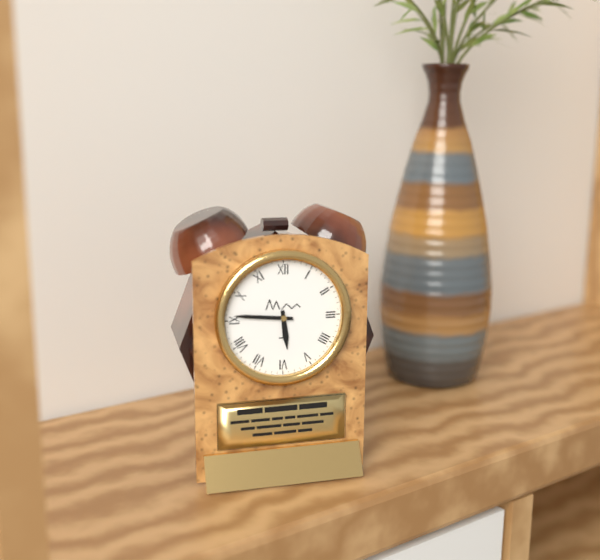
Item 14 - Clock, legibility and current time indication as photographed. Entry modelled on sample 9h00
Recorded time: 5h46
